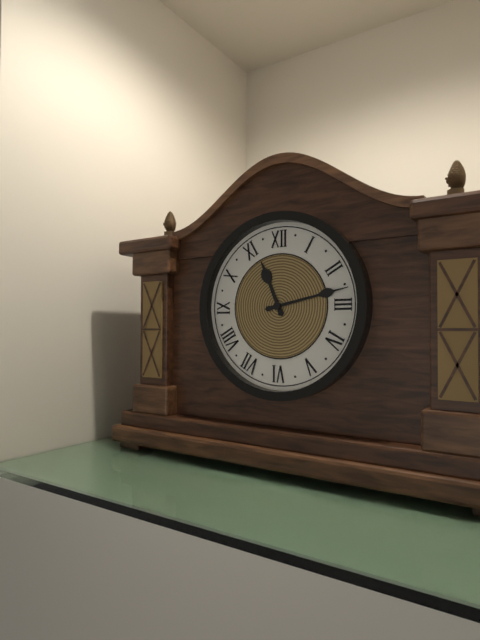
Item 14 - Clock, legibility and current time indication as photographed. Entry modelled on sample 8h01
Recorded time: 11h13
